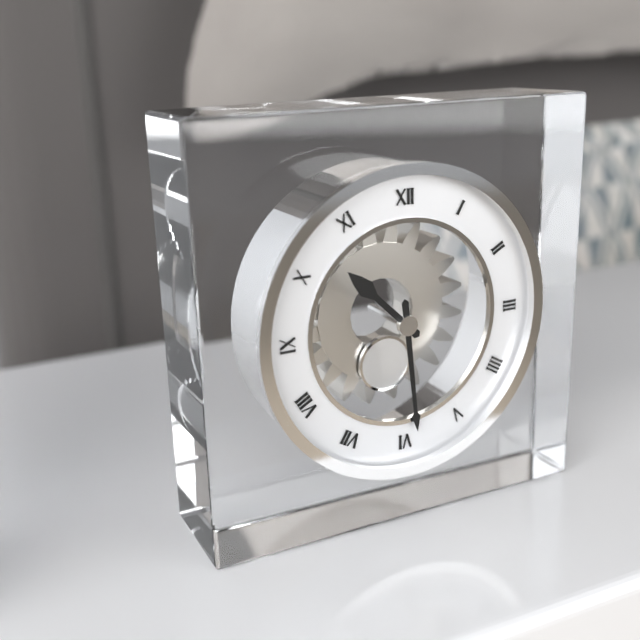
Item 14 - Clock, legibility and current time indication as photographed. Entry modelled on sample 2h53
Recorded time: 10h29
